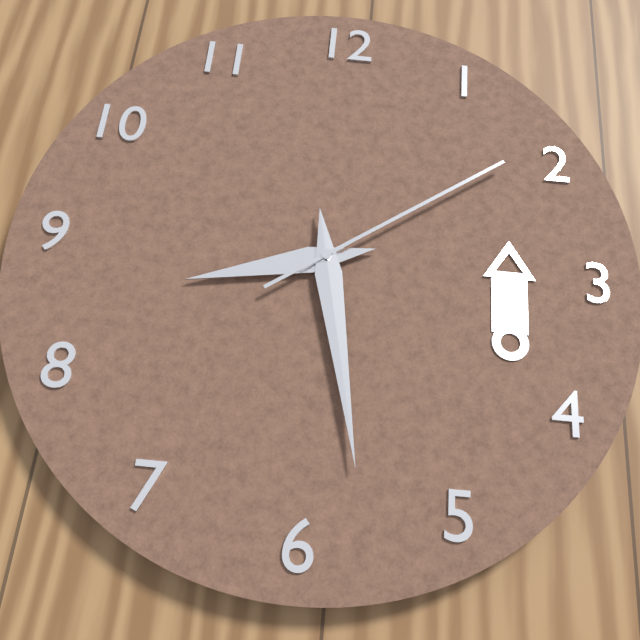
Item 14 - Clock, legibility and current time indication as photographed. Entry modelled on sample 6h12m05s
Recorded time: 8h28m09s
